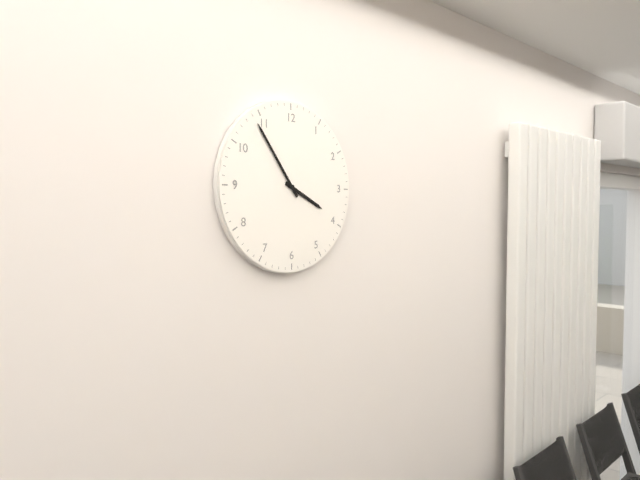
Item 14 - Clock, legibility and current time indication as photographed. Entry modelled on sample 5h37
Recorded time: 3h54
